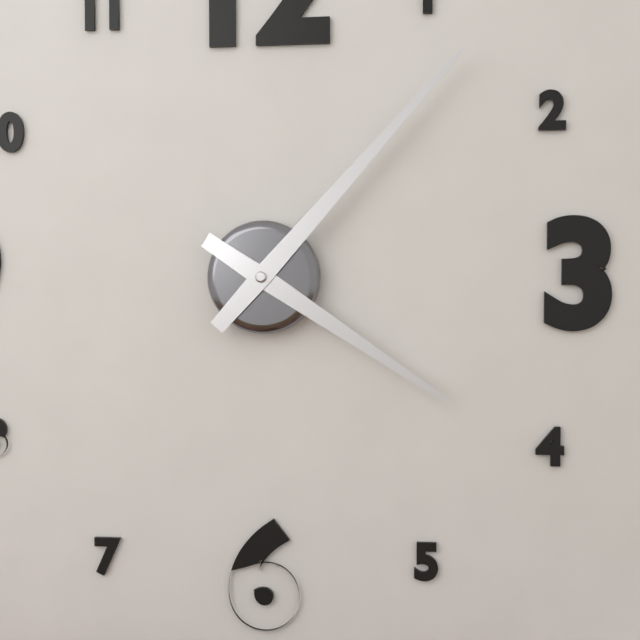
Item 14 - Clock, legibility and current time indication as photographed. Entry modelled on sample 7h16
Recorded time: 4h07
